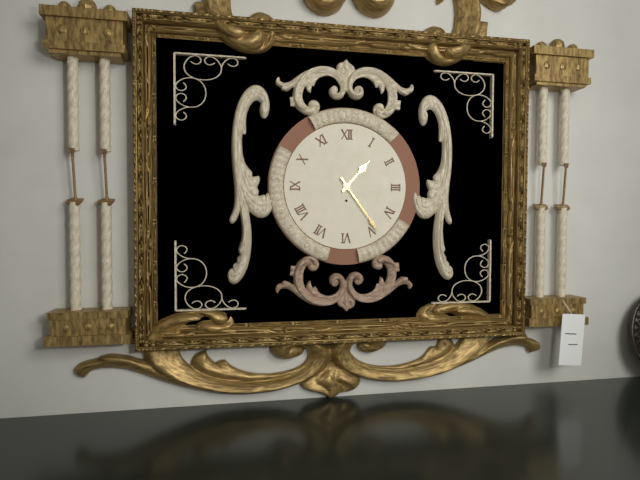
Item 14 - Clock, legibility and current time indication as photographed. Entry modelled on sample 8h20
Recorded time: 1h24
